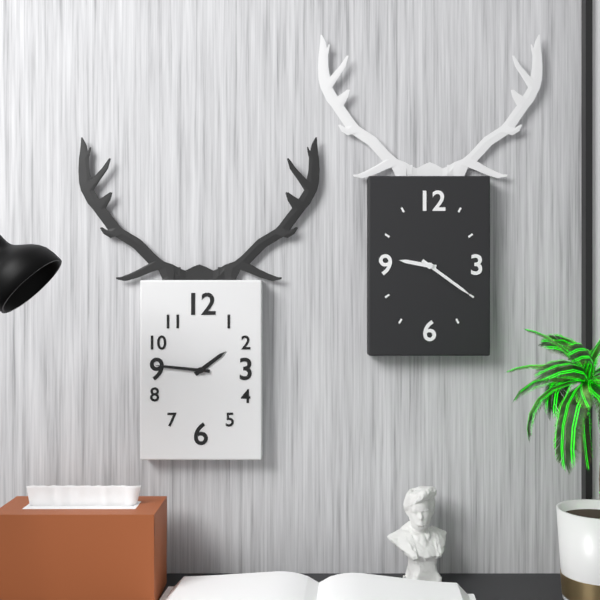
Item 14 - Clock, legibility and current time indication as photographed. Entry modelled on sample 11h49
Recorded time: 1h46
